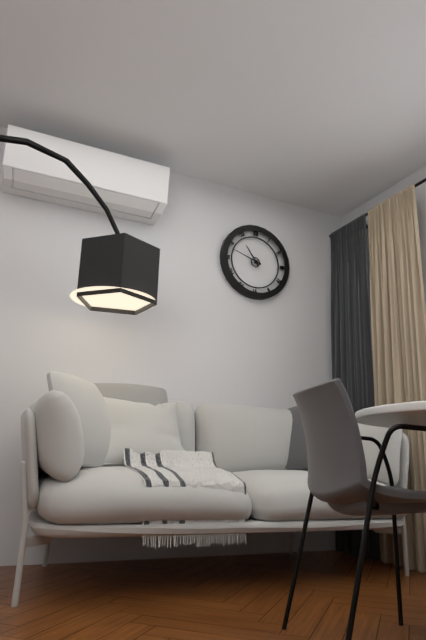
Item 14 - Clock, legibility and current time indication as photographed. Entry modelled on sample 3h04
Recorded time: 10h48
